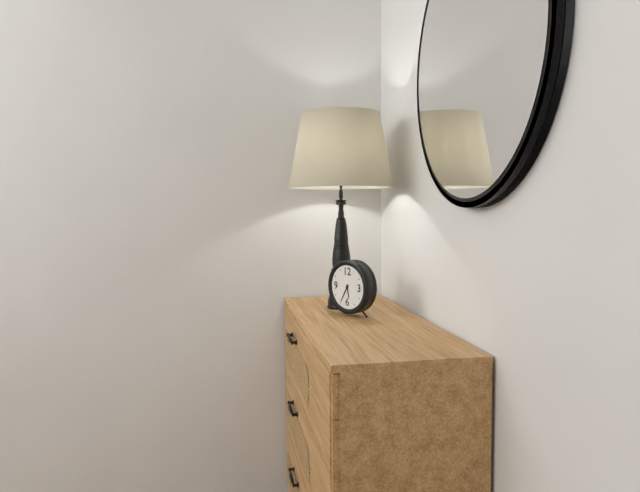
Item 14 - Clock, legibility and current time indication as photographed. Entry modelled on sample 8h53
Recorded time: 5h35
